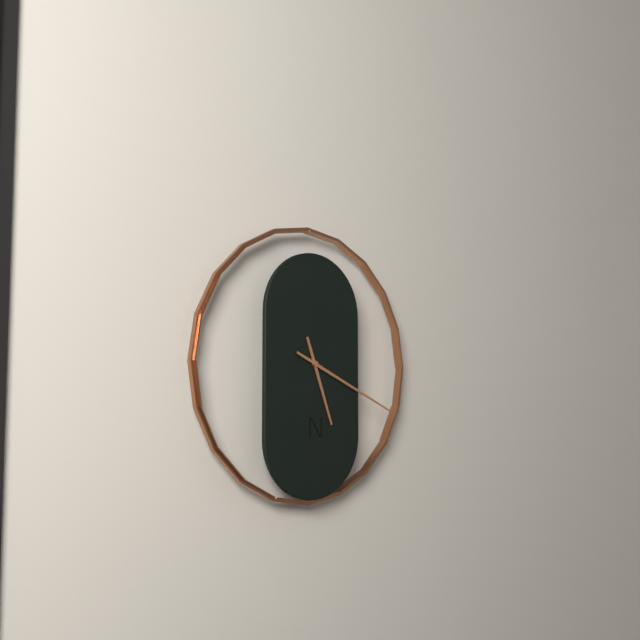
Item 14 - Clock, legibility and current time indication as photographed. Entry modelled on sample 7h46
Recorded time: 5h19
